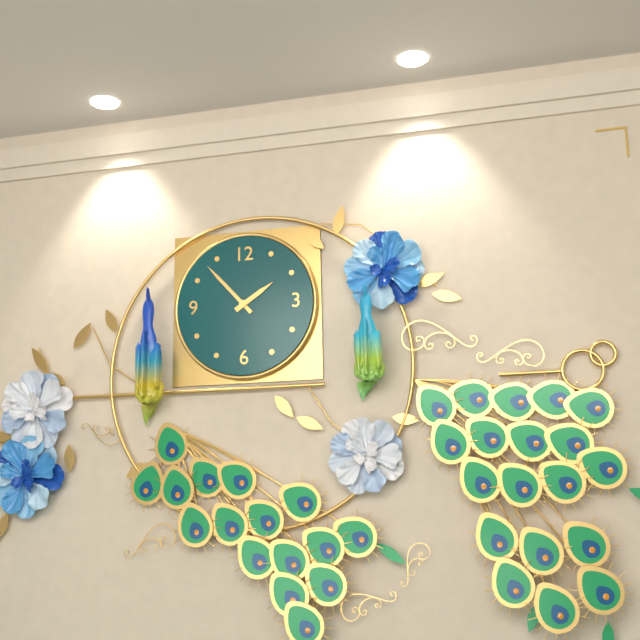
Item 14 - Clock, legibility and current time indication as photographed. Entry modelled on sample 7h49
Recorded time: 1h53
